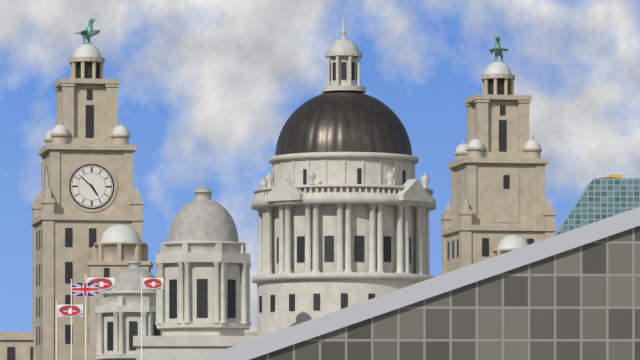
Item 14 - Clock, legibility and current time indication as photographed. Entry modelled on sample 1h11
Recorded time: 4h52
